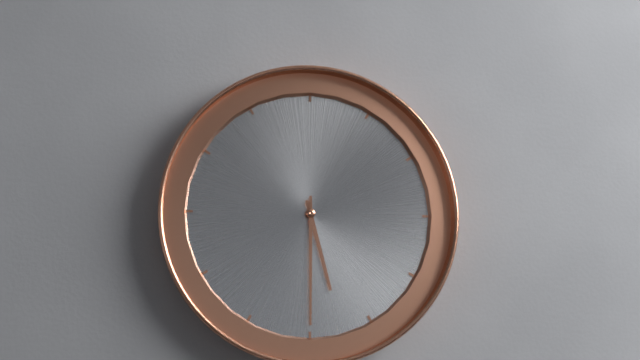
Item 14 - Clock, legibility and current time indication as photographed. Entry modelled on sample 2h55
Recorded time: 5h30
